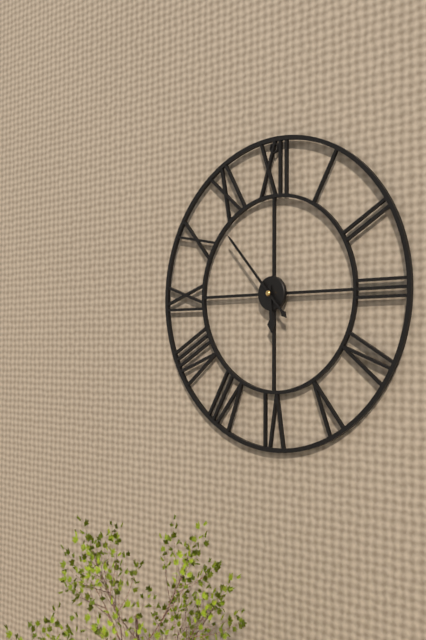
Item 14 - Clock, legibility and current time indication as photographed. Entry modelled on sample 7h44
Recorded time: 5h53
